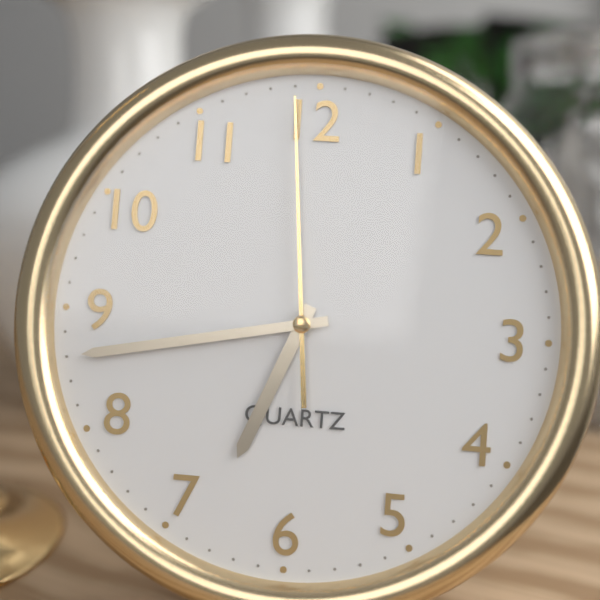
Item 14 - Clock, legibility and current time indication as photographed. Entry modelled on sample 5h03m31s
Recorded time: 6h43m59s
